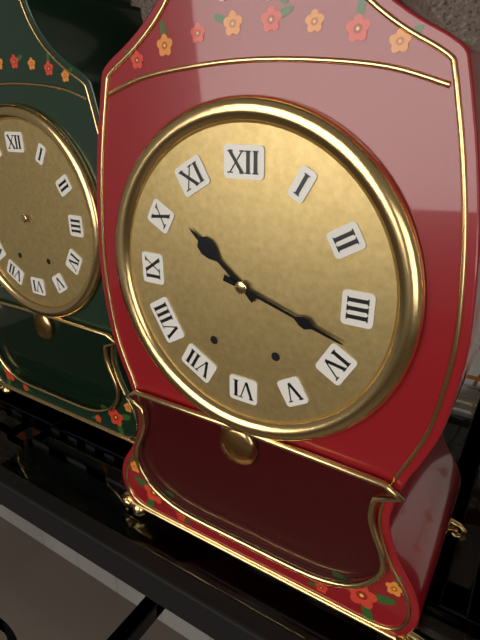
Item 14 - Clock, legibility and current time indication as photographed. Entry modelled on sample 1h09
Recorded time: 10h18
